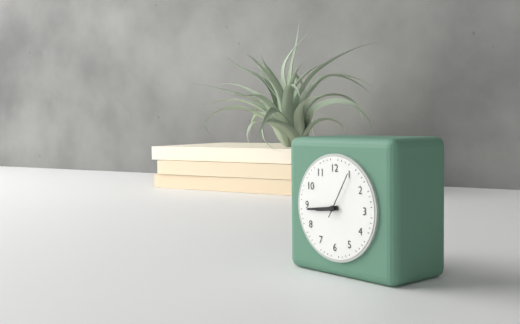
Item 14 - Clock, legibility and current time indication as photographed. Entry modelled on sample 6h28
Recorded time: 8h44
